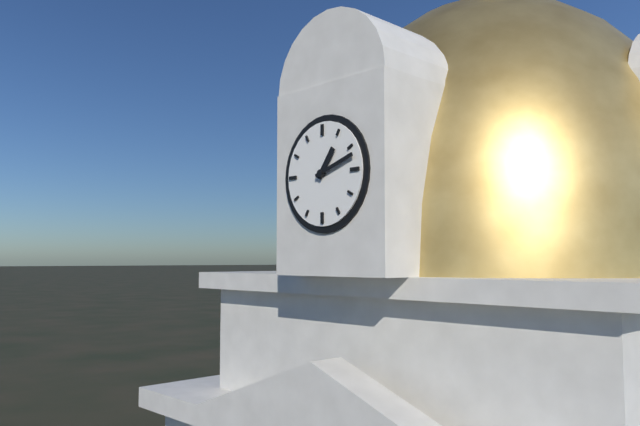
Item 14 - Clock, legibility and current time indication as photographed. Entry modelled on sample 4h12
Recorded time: 1h12
